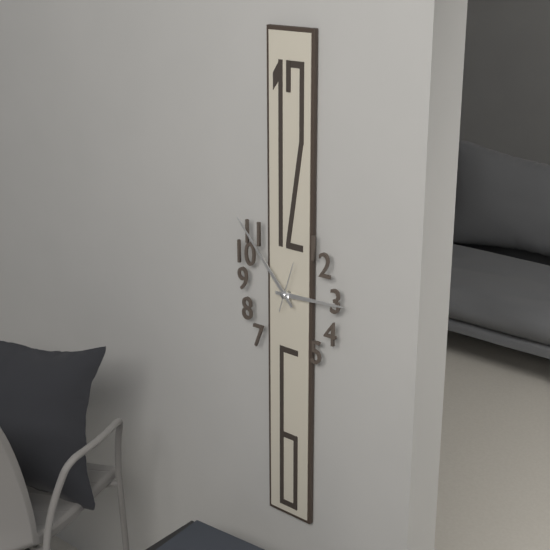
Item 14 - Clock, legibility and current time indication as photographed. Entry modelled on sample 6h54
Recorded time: 2h53
